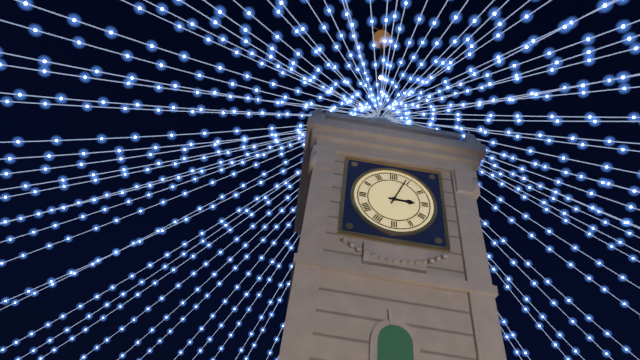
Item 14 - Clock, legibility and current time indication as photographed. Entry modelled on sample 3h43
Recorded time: 3h04
